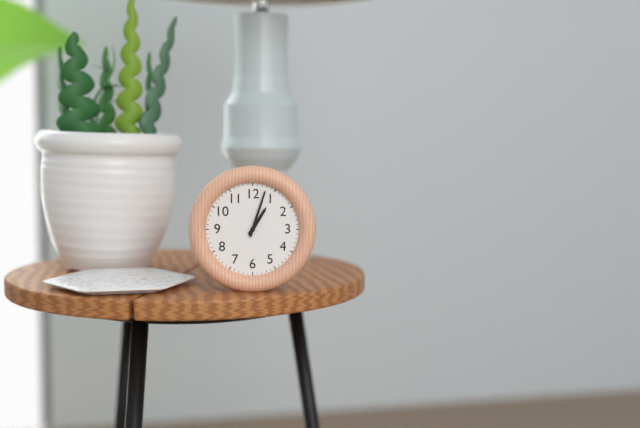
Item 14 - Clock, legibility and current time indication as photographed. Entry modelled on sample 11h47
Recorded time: 1h03
